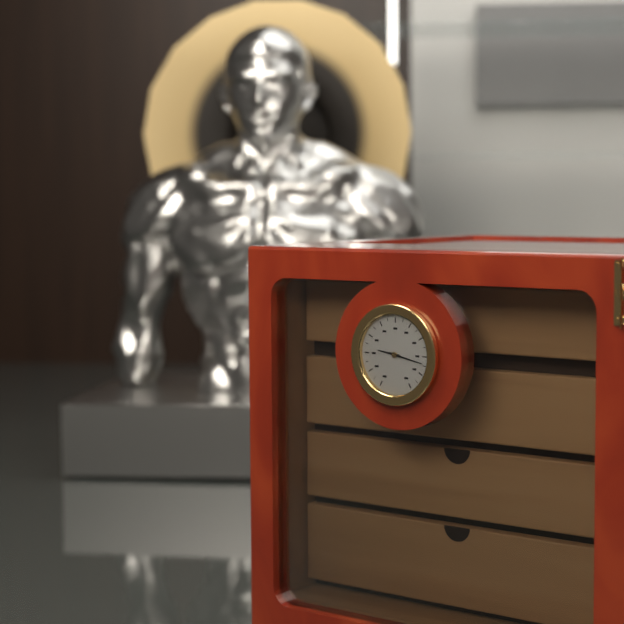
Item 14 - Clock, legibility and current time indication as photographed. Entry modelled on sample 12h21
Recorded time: 9h17
